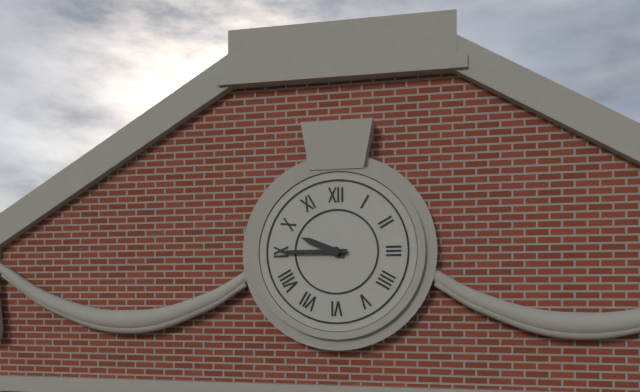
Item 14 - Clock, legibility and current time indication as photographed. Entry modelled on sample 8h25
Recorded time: 9h45
